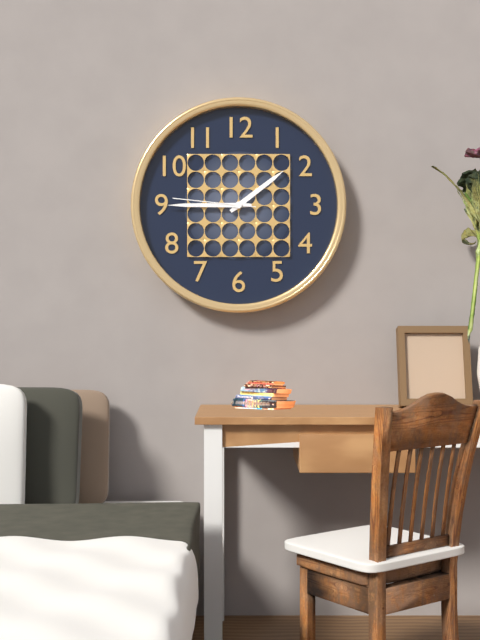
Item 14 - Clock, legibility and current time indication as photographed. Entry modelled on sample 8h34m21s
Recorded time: 1h45m46s
